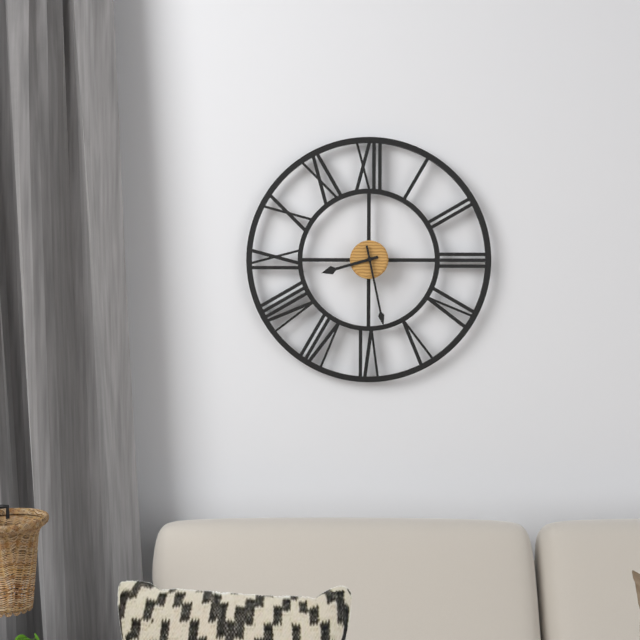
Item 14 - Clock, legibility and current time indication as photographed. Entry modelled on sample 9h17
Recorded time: 8h28
